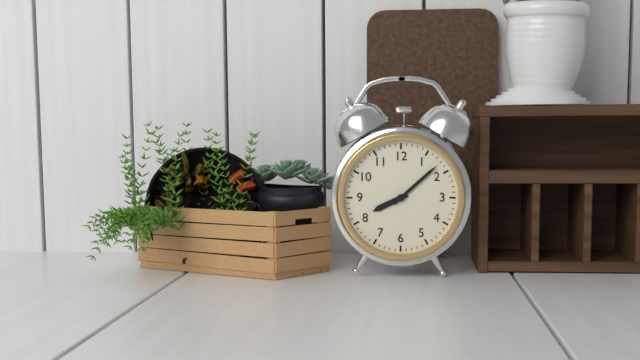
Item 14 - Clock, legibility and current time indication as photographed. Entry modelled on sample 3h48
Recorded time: 8h08
